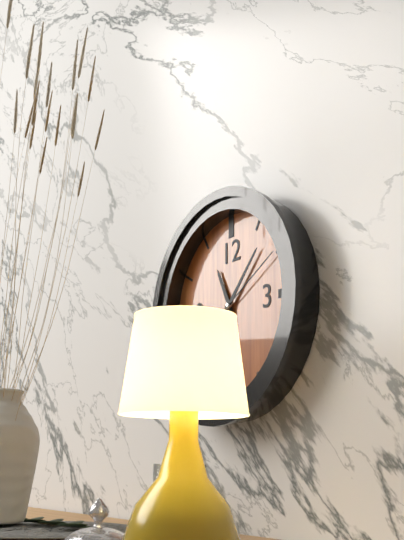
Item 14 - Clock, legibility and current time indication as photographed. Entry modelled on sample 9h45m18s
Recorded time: 11h07m10s
